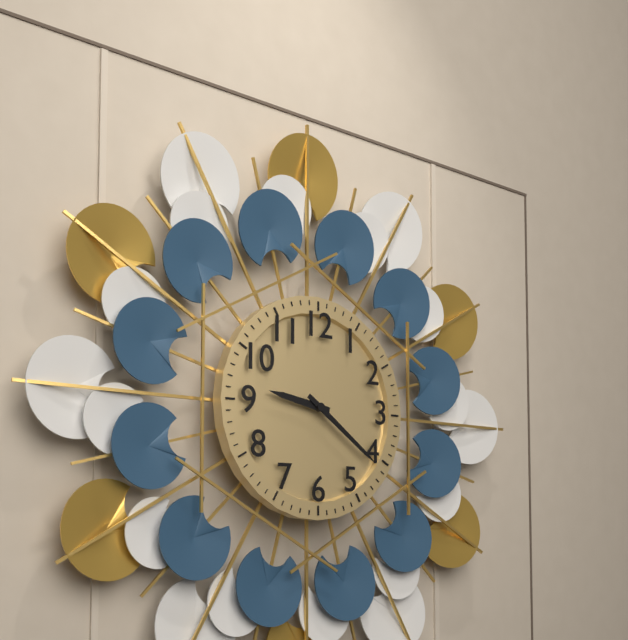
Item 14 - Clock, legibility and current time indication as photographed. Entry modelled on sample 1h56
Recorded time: 9h21
